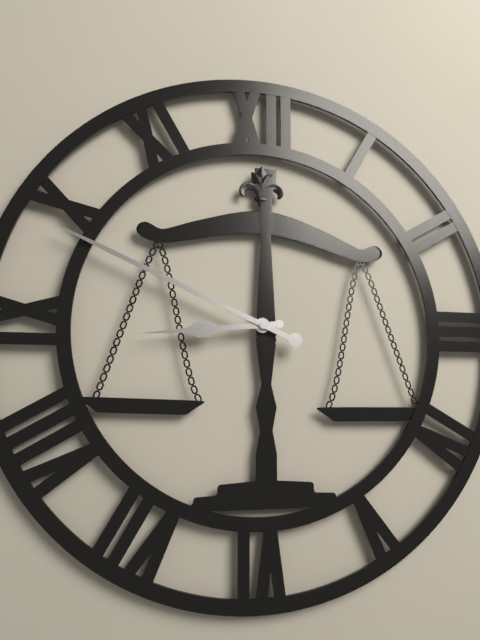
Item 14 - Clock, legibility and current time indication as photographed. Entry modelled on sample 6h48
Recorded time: 8h49
